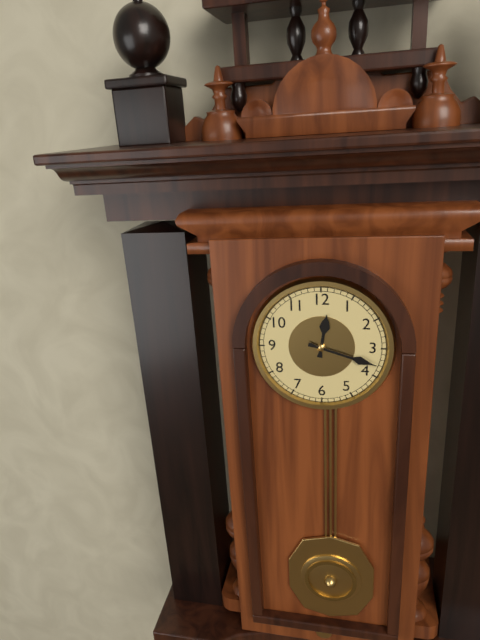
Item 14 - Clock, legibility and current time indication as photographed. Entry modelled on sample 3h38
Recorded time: 12h18
